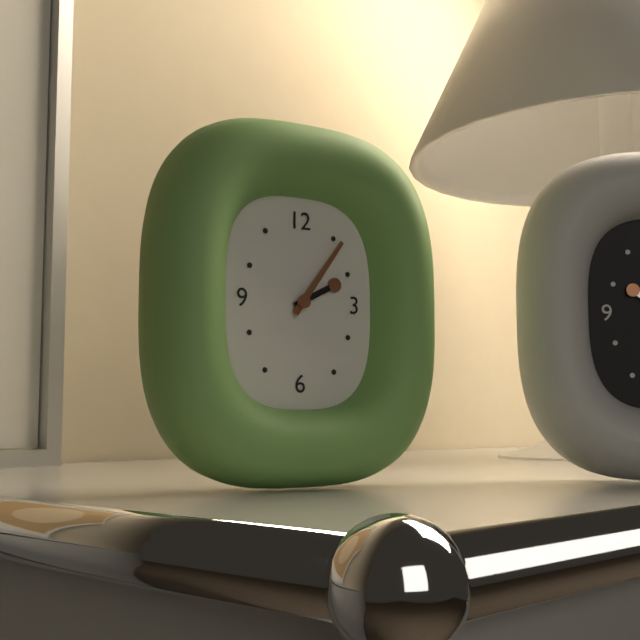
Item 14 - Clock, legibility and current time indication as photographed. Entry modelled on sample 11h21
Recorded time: 2h06
